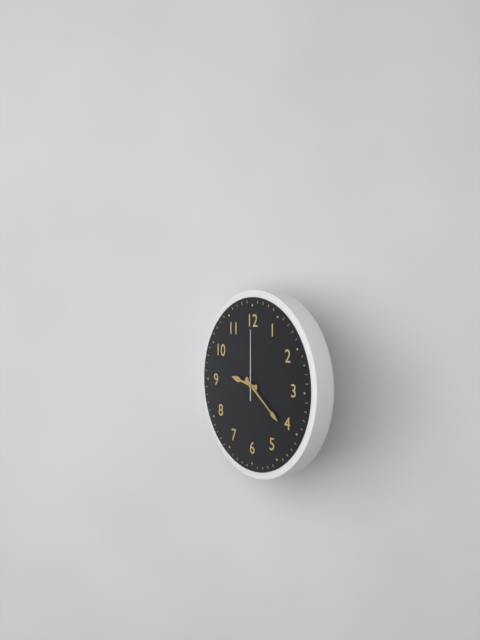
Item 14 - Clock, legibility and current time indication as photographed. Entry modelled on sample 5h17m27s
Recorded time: 9h21m00s
